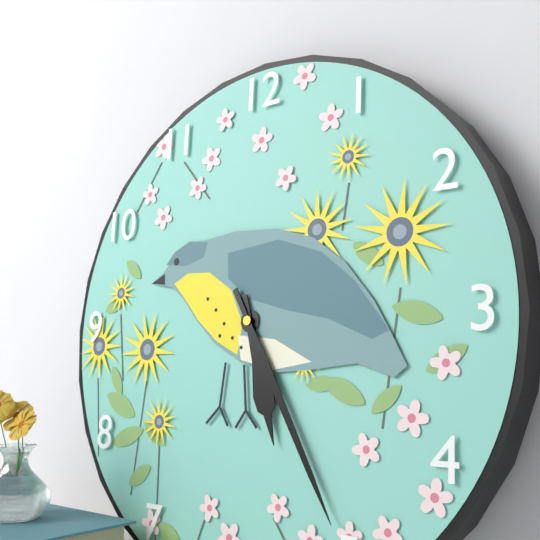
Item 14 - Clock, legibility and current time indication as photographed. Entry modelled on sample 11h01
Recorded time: 5h25
